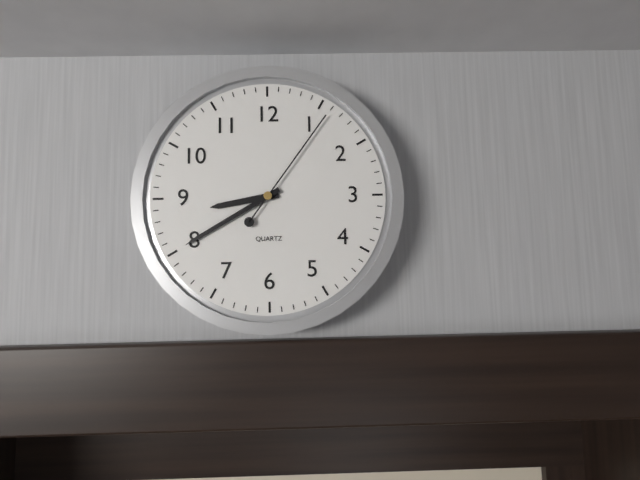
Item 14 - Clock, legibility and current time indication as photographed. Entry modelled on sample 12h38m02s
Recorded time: 8h40m06s
